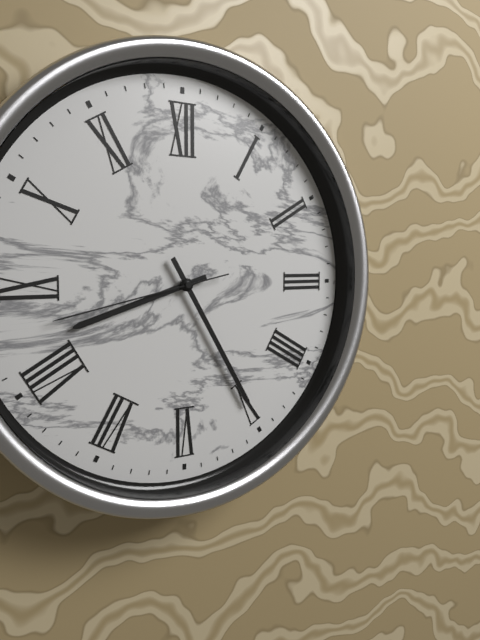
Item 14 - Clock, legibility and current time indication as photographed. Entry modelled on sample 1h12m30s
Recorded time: 8h25m43s
